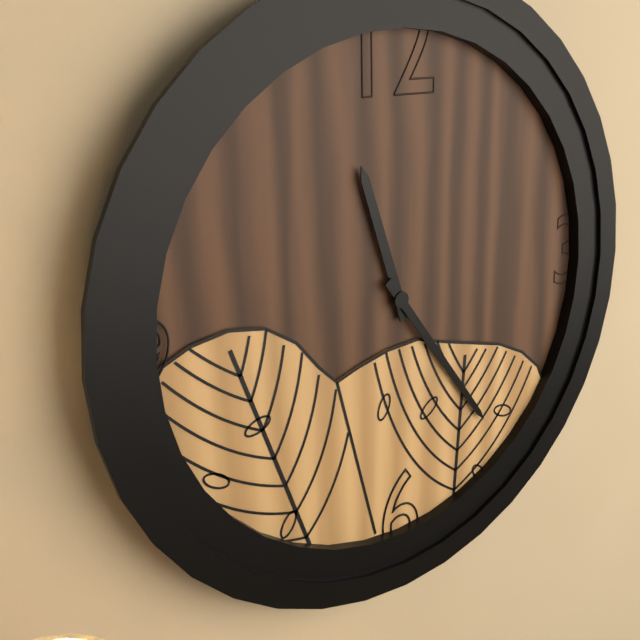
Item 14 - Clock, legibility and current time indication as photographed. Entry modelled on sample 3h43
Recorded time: 11h24
